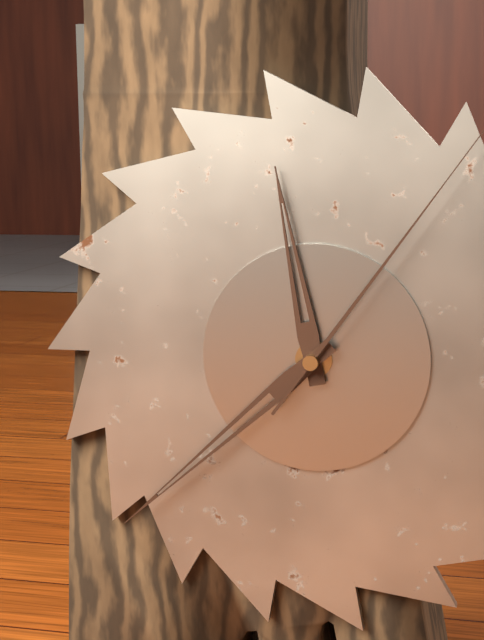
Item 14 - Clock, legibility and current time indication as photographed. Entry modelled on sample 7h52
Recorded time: 11h38
